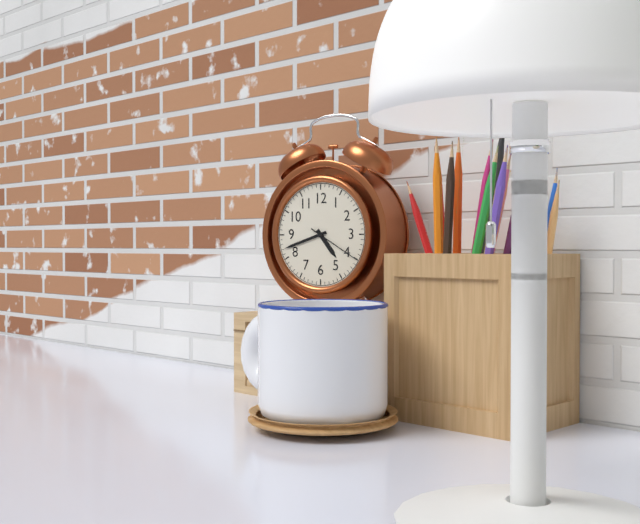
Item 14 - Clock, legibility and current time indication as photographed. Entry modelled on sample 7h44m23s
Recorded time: 4h42m20s
